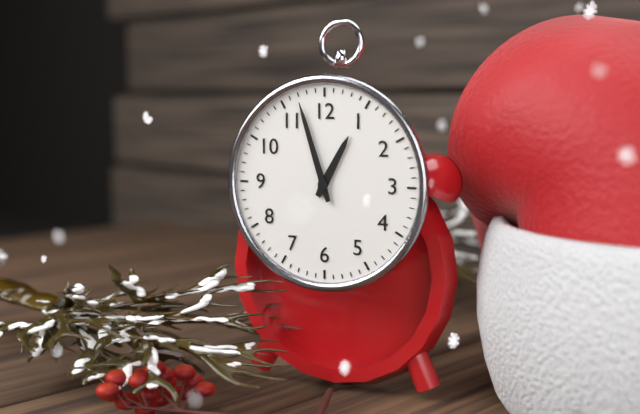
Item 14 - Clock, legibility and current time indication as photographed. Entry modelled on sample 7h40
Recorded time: 12h57
